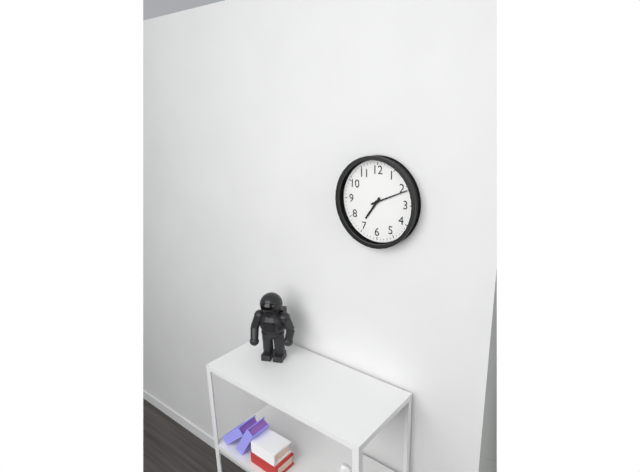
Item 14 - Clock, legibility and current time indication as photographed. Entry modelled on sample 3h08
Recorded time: 7h11
